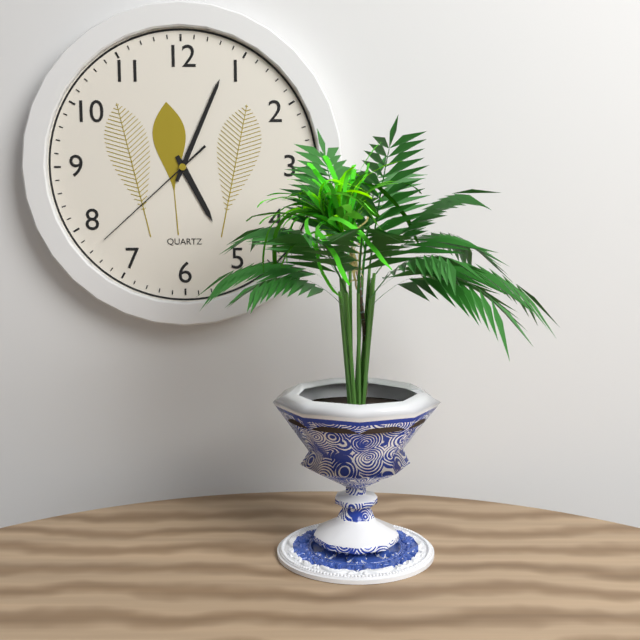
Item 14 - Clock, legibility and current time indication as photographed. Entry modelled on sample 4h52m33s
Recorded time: 5h04m38s
